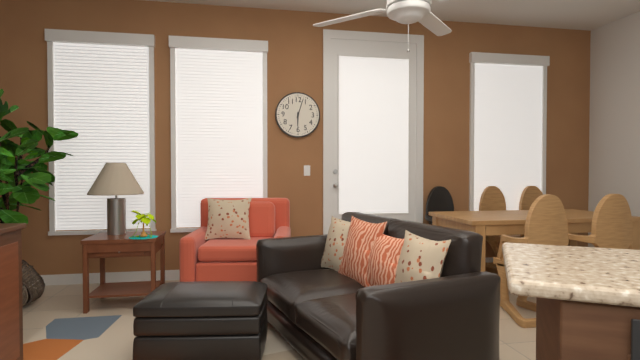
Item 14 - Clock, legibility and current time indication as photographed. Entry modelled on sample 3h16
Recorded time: 6h03
